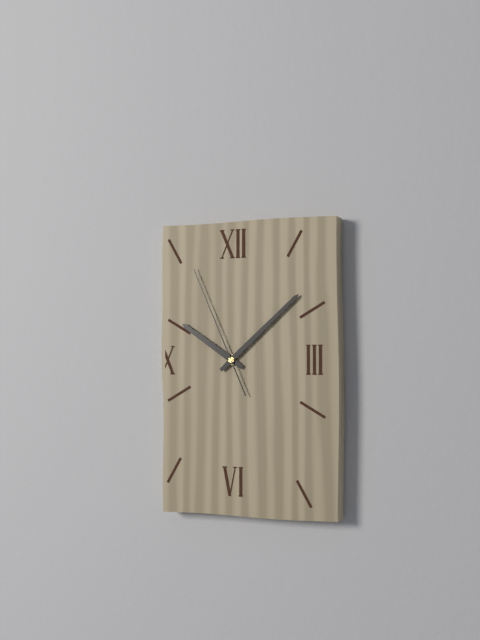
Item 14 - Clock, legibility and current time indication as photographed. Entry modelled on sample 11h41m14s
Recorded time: 10h08m56s
